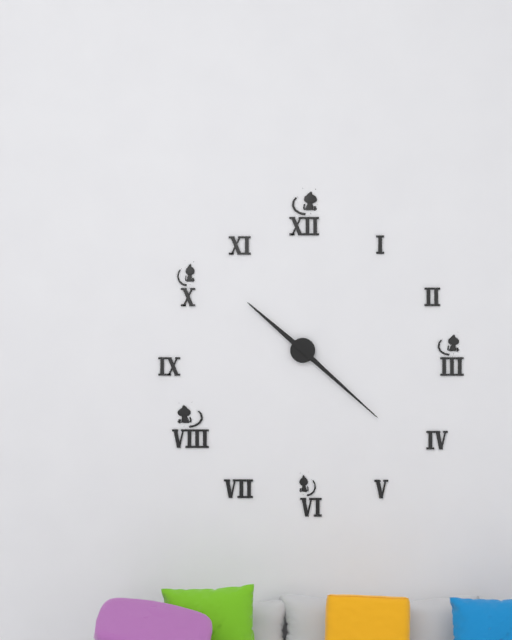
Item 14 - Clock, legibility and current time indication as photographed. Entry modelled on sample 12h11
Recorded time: 10h22
